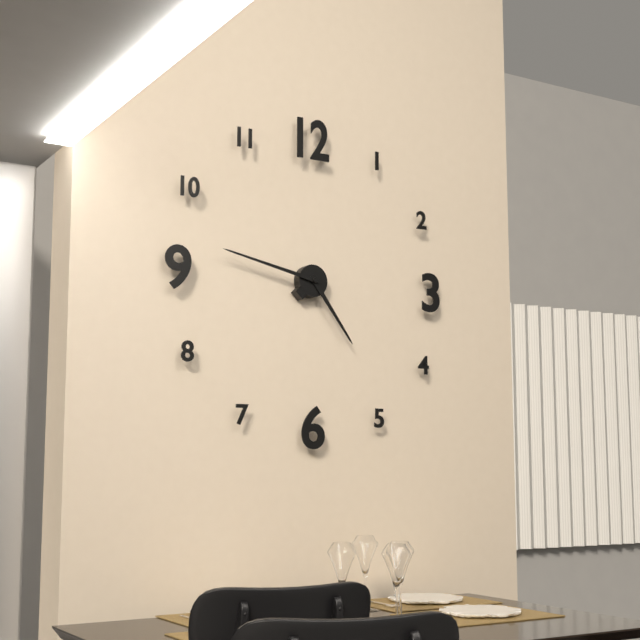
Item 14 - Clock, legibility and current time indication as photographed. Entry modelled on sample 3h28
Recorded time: 4h47
